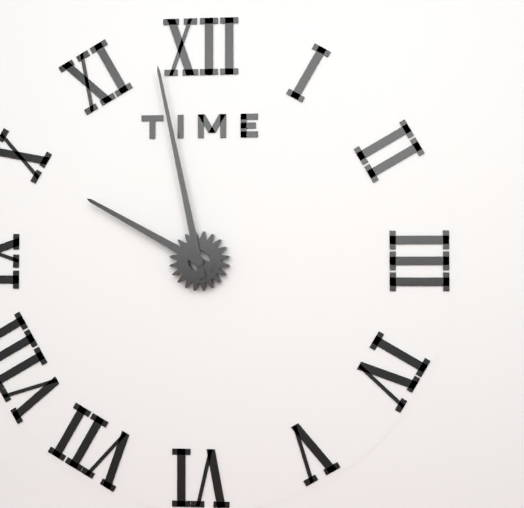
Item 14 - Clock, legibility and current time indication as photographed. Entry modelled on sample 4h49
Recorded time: 9h58
